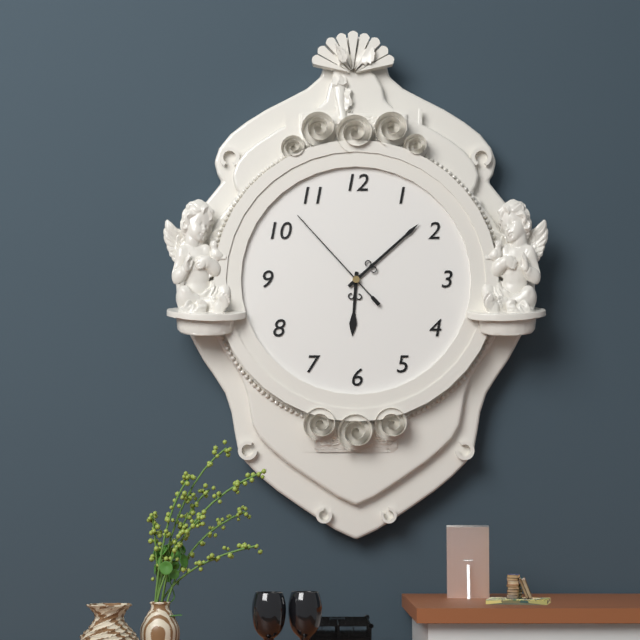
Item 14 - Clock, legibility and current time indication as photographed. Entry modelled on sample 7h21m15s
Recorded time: 6h08m53s
